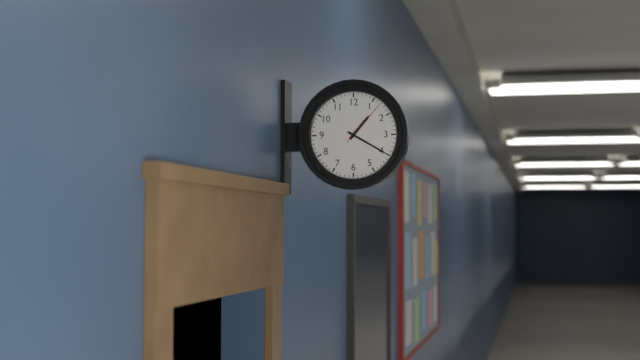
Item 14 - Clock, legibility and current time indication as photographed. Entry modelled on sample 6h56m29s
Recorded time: 1h20m07s
